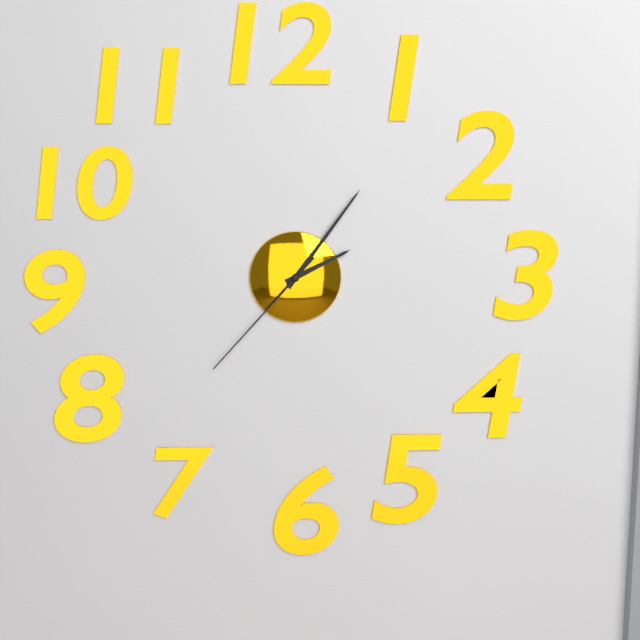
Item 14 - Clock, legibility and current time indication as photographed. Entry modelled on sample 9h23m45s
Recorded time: 2h06m37s
